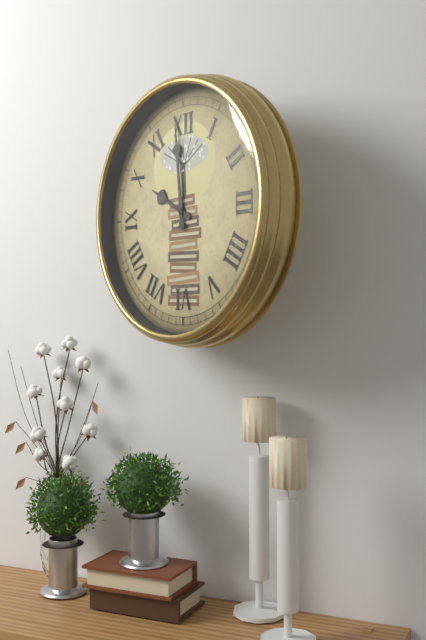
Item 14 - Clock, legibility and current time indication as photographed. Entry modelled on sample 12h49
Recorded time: 9h59
